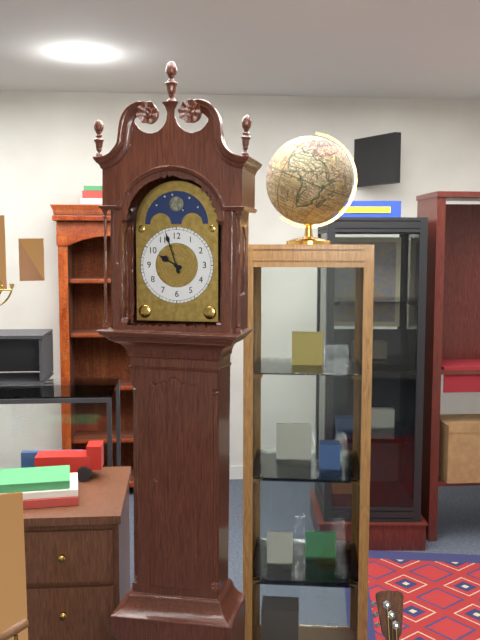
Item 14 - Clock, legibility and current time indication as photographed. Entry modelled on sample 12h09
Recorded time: 9h57
